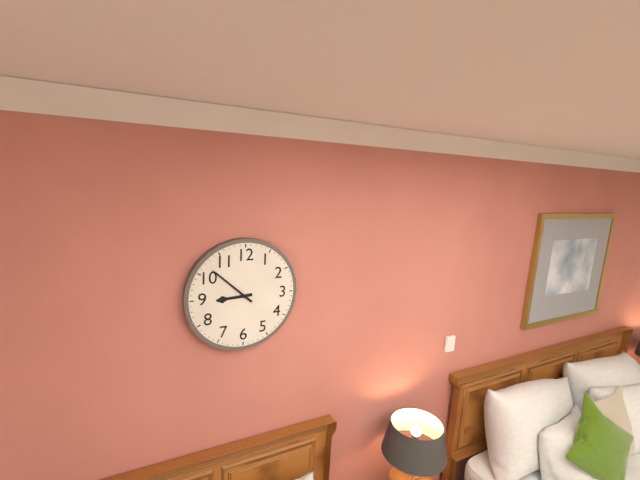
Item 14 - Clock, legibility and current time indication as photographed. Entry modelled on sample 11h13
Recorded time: 8h52
